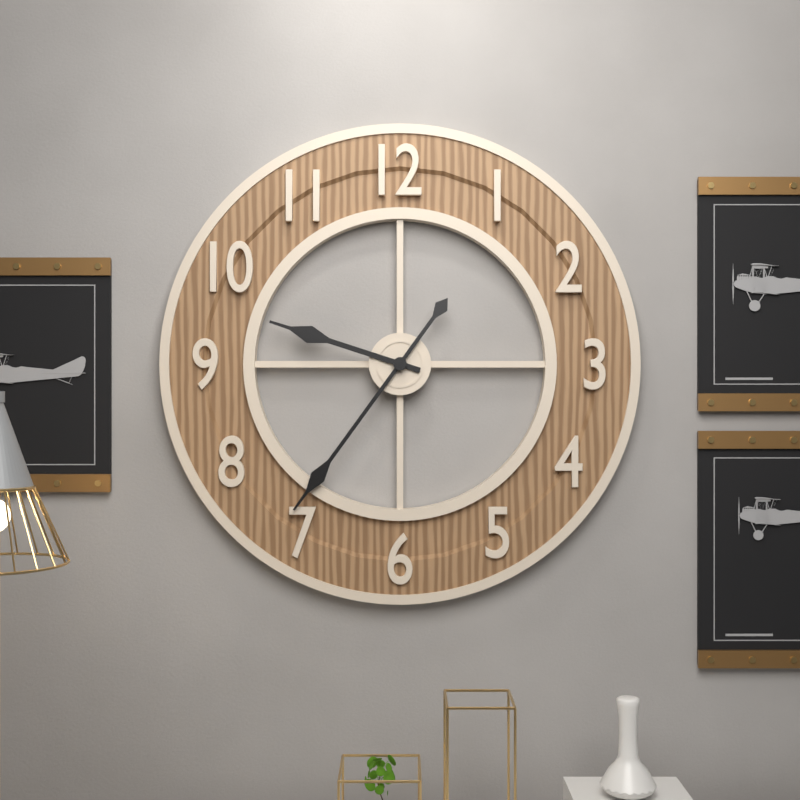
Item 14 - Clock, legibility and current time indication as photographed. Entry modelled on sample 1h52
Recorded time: 9h36
